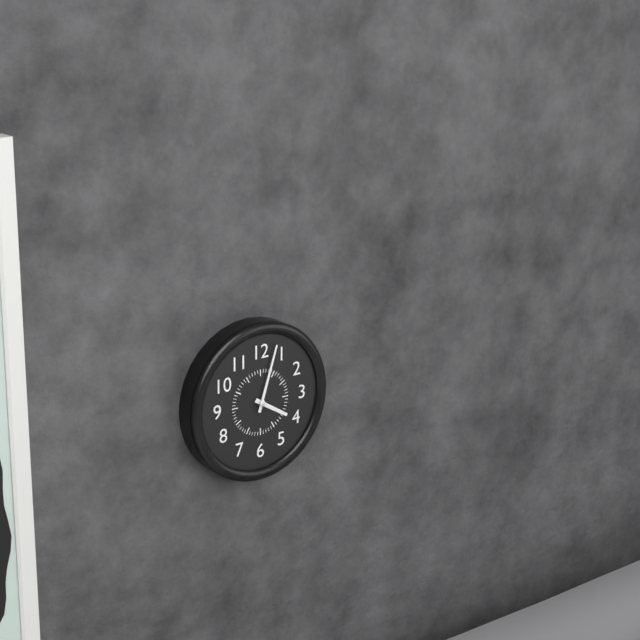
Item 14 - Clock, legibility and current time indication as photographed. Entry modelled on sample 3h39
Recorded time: 4h03
